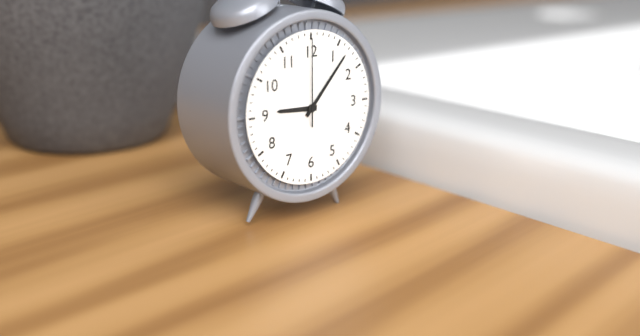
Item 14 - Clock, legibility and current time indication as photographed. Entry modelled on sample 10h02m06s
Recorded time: 9h07m00s
